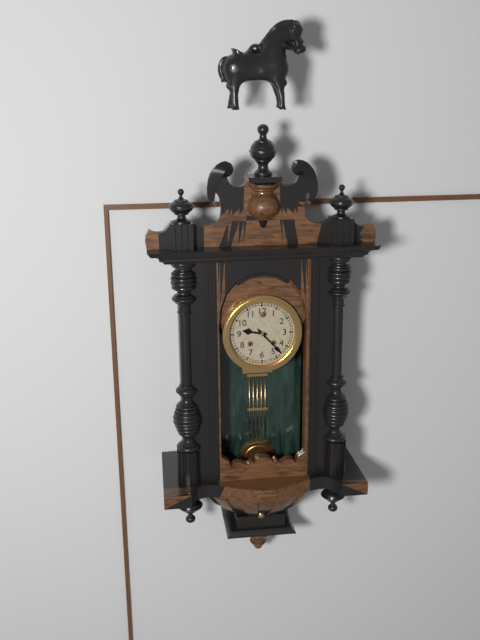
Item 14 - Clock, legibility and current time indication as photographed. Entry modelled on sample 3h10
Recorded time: 9h23
